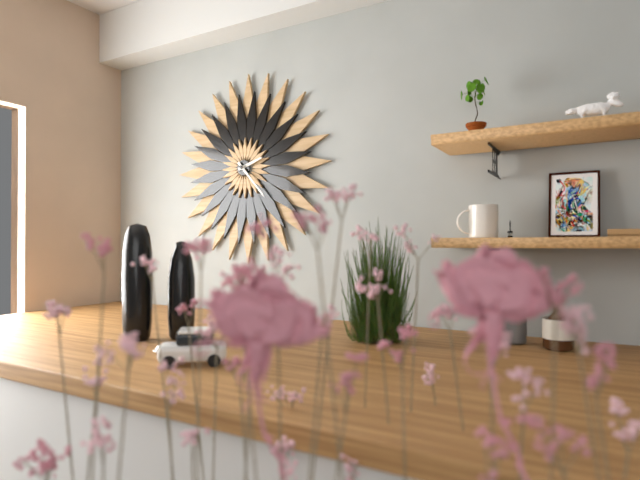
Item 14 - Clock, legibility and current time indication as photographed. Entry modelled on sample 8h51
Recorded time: 2h23
